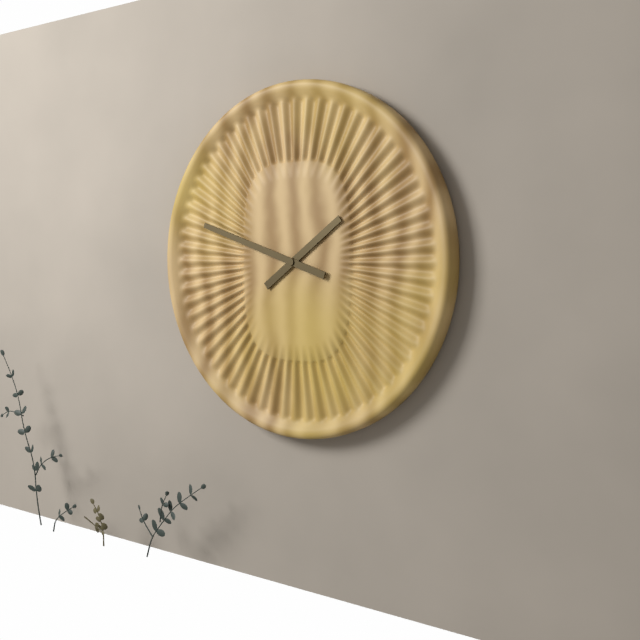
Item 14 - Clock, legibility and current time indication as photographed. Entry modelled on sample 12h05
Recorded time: 1h48
